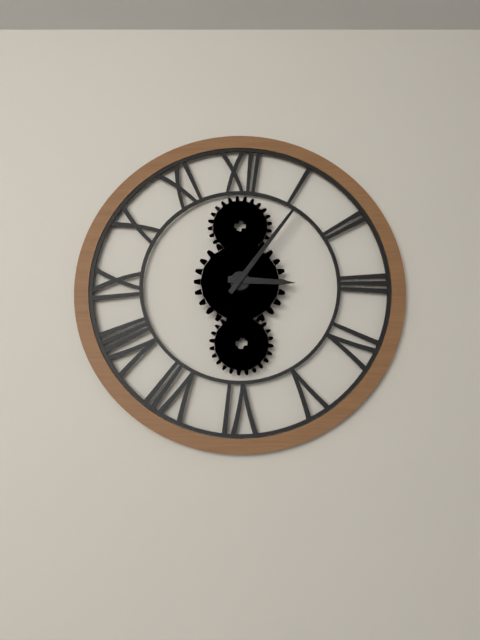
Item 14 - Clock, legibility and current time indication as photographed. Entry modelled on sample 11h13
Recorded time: 3h06
